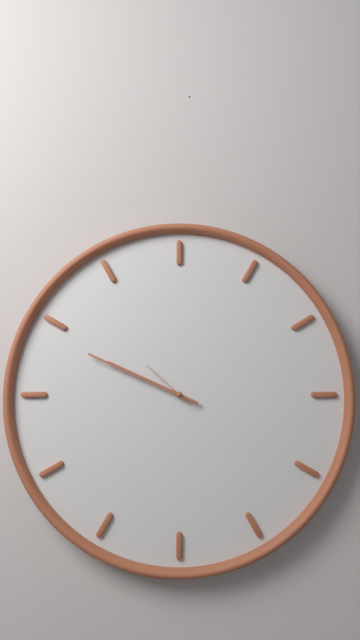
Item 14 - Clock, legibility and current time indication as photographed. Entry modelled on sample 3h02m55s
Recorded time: 9h49m52s
